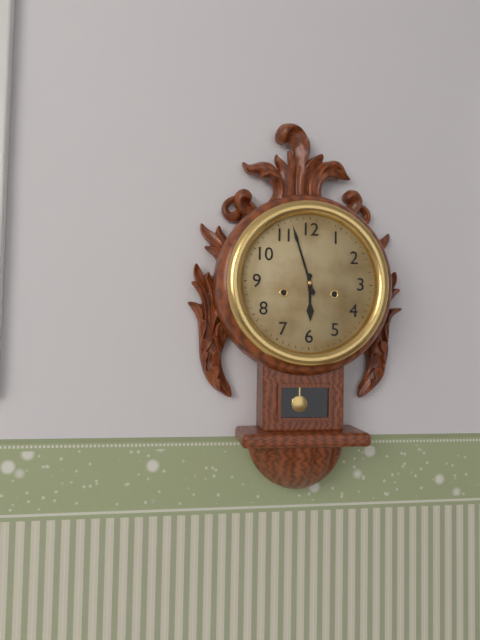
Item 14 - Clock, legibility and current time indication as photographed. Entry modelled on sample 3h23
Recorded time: 5h57
